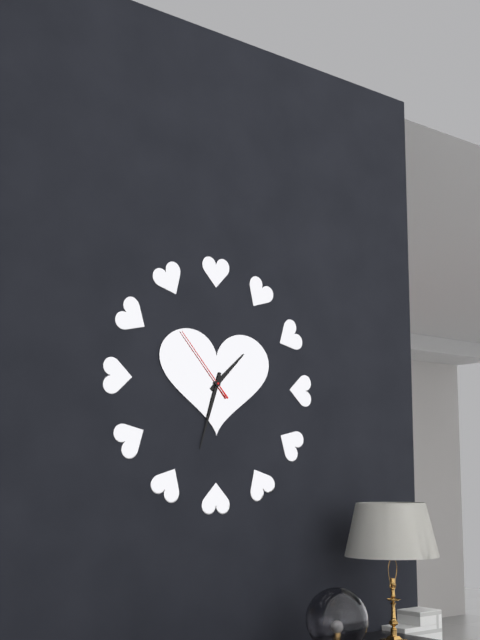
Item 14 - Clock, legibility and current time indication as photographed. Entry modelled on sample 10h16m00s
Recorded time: 1h33m53s
